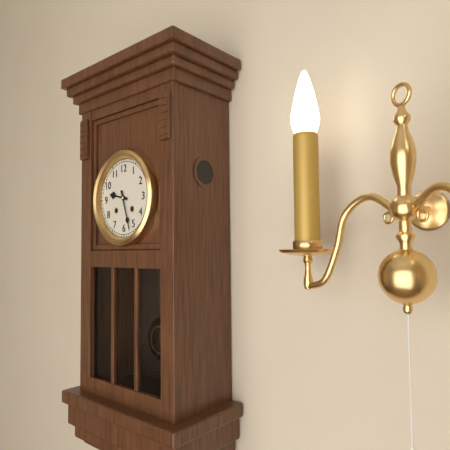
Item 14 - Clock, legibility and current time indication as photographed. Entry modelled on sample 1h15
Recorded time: 9h27
